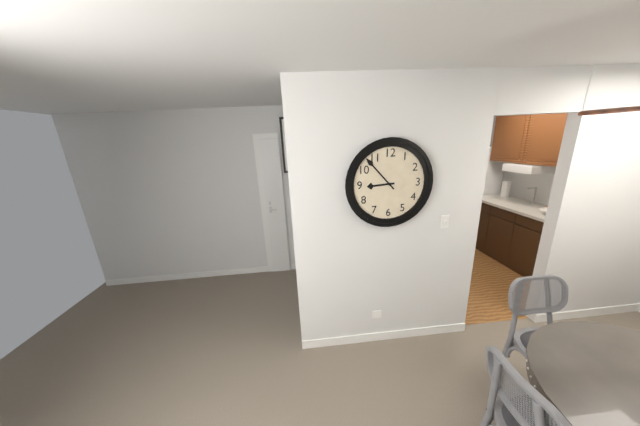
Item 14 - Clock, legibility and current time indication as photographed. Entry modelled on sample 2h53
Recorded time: 8h53
